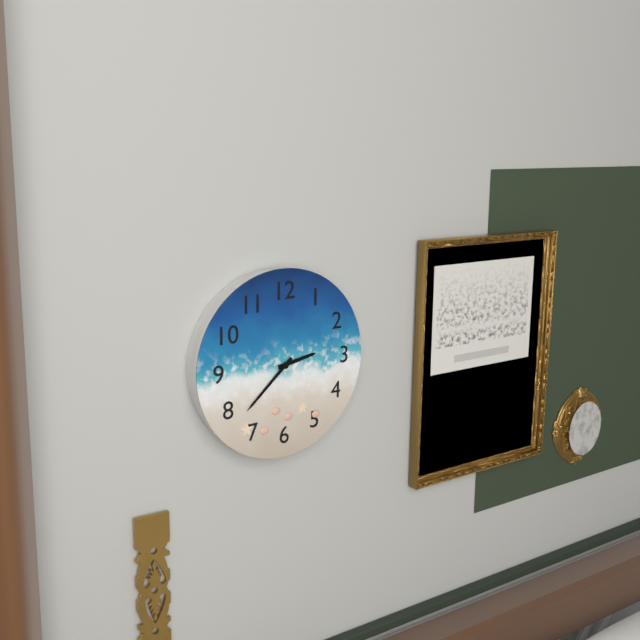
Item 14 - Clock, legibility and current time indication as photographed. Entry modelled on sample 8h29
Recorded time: 2h38
